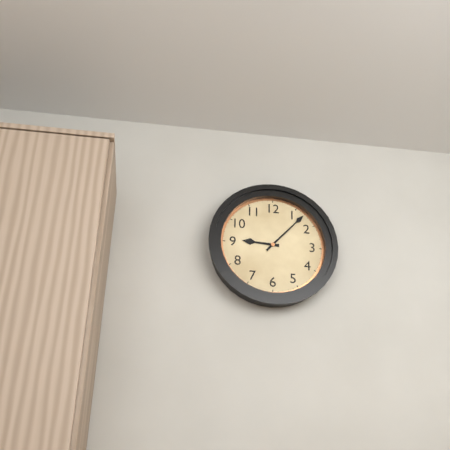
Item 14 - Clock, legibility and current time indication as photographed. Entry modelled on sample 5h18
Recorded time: 9h07
